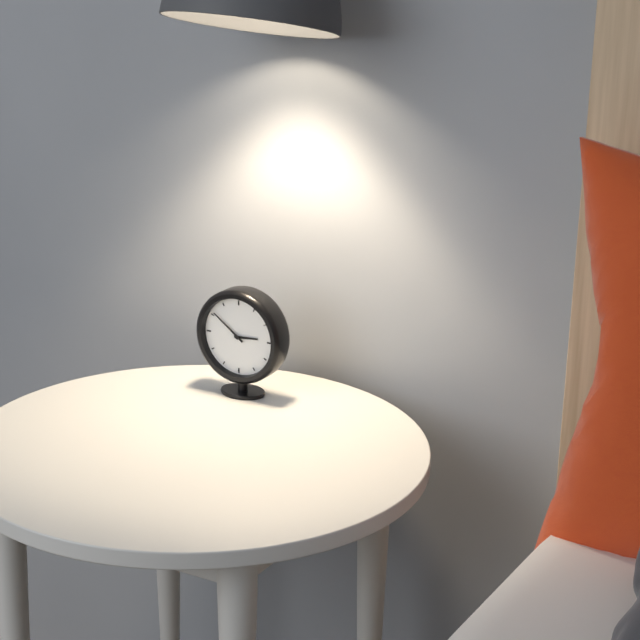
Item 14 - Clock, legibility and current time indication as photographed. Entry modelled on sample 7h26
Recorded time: 2h51
